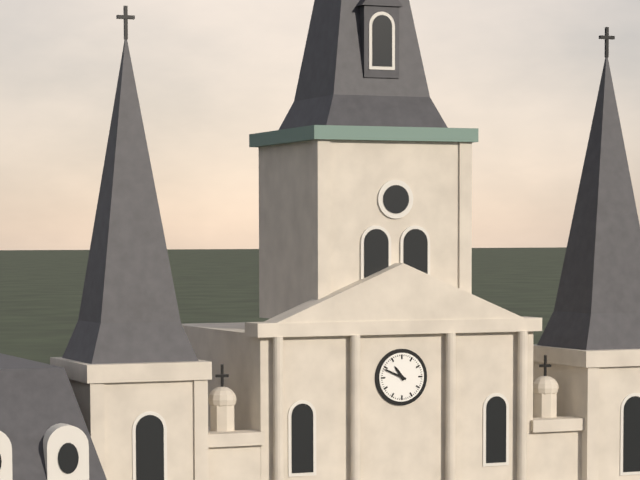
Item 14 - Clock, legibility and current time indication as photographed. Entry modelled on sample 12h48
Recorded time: 10h49
